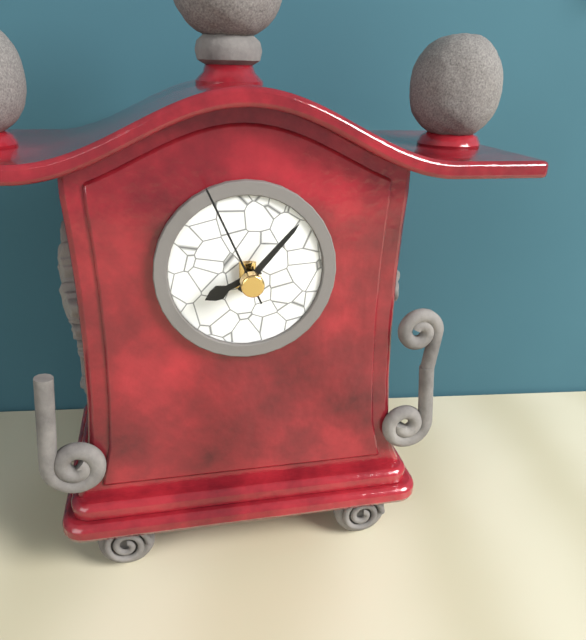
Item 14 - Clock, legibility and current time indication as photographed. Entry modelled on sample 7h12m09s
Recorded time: 8h07m56s
